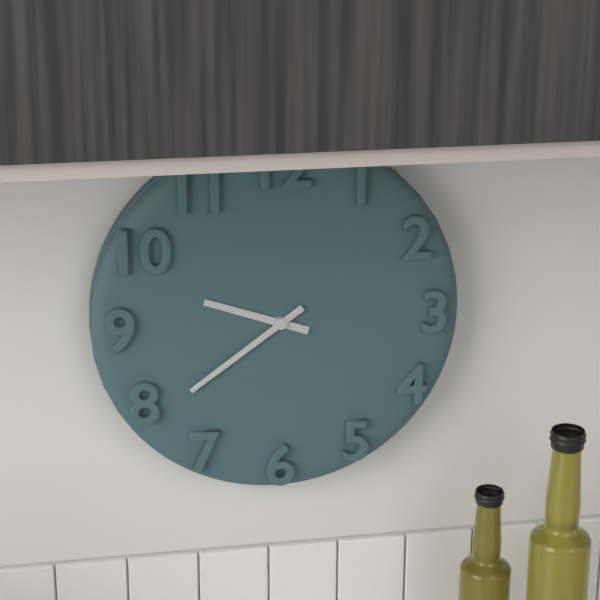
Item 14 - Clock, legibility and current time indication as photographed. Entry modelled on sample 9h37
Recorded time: 9h39
